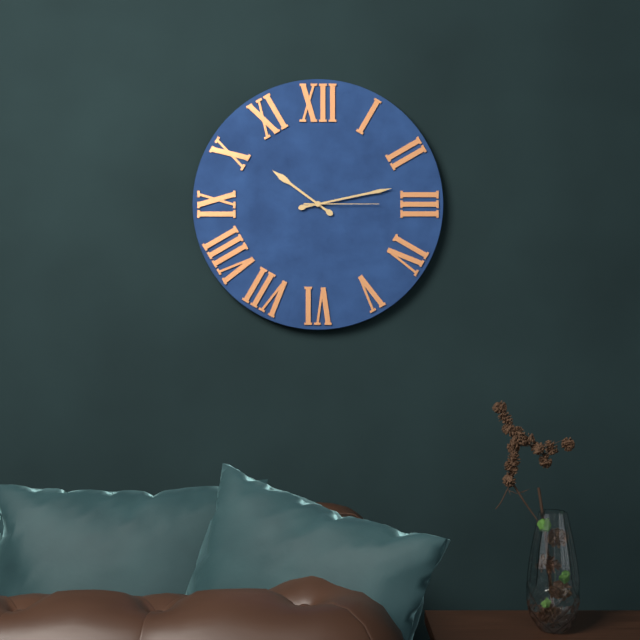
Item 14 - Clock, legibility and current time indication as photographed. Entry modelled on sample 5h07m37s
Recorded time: 10h13m15s
